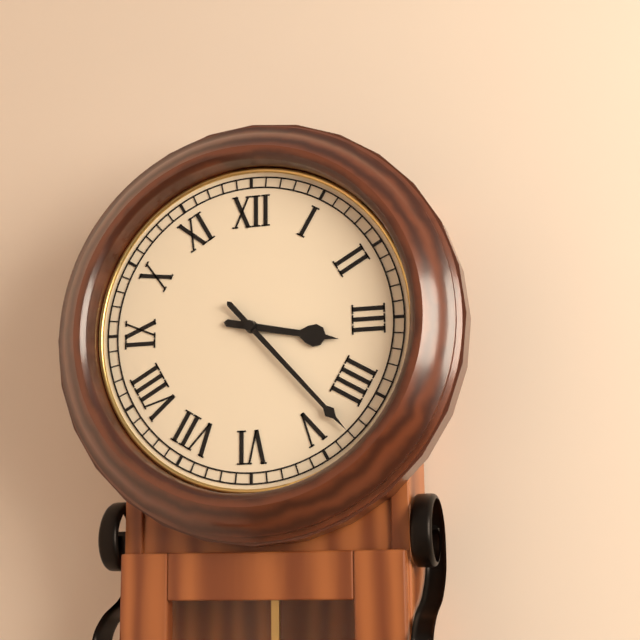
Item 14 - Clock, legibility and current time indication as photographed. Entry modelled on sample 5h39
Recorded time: 3h23
